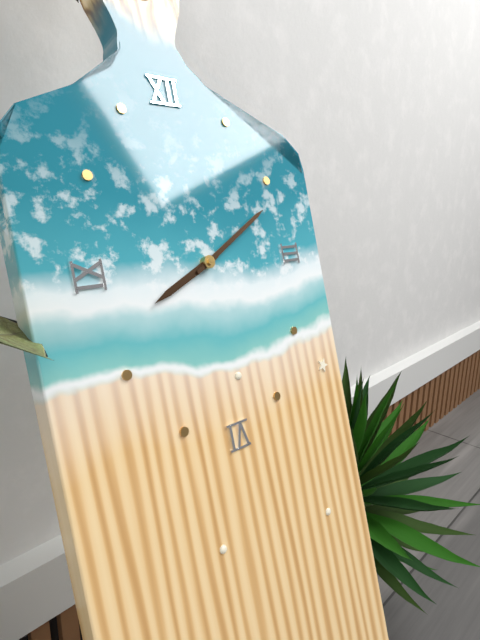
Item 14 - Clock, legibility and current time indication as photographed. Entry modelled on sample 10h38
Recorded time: 8h10
